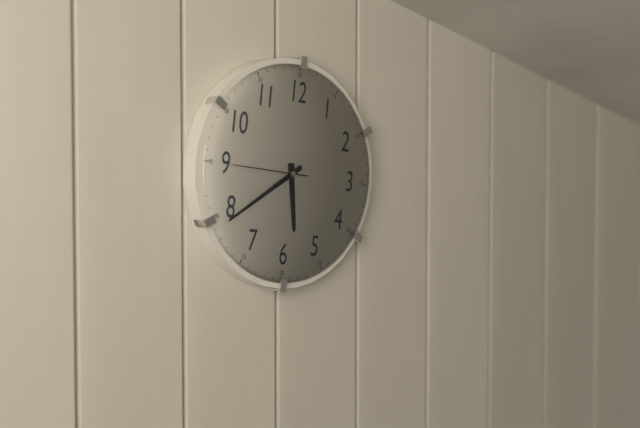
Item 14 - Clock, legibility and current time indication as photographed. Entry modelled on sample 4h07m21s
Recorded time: 5h39m45s
